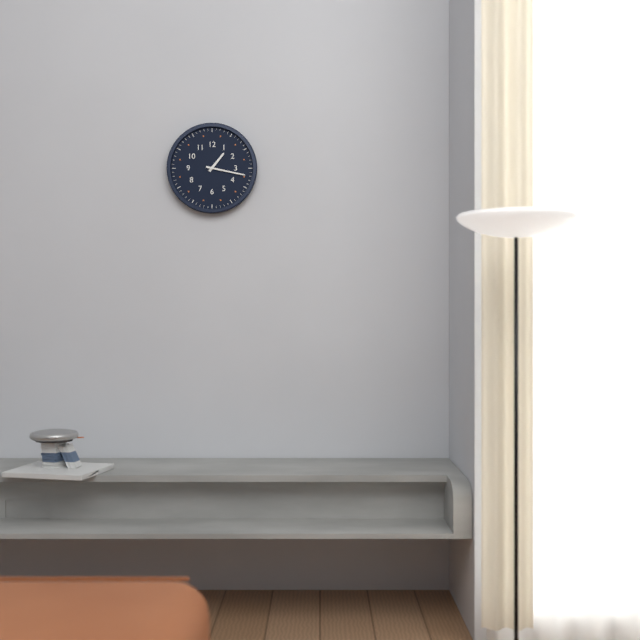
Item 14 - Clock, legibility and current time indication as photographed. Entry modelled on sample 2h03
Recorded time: 1h17
